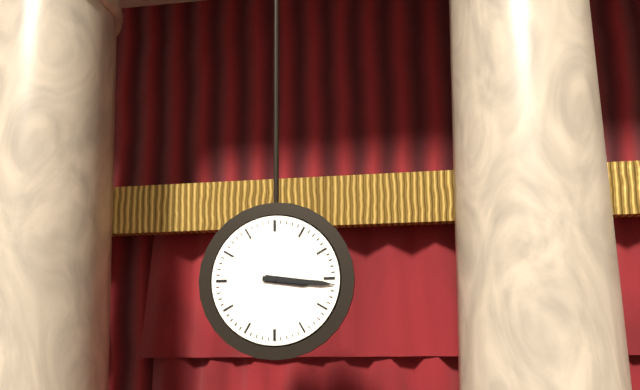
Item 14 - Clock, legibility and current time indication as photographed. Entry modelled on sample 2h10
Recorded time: 3h16
